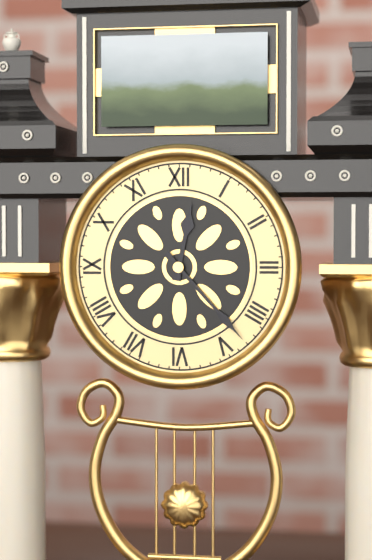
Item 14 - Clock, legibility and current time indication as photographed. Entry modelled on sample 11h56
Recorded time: 12h23
